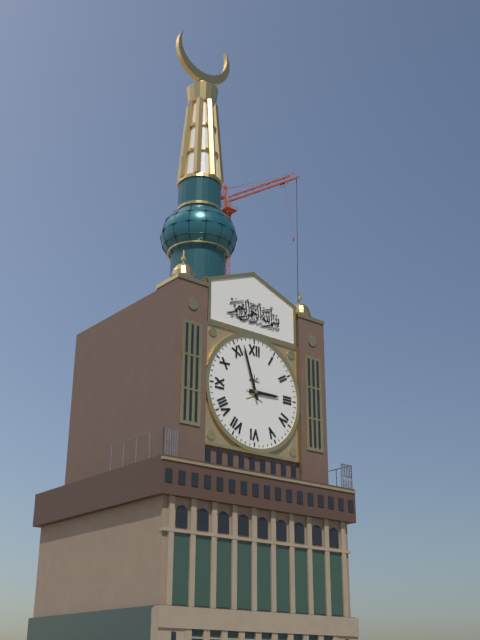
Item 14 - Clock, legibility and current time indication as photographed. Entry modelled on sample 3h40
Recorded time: 2h57
